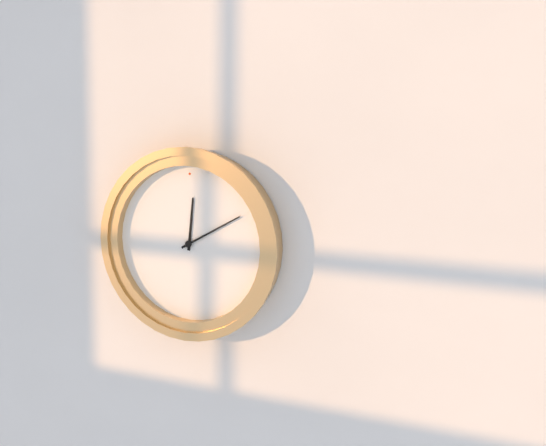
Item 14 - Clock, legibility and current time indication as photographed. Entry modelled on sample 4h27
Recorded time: 12h10
